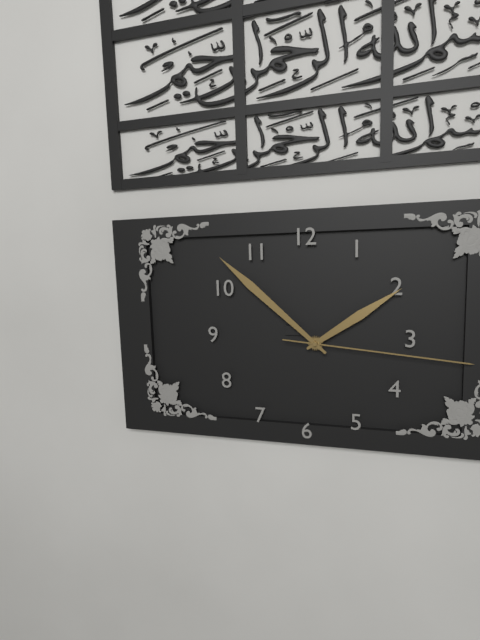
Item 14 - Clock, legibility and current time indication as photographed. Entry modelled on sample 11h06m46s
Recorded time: 1h52m16s
